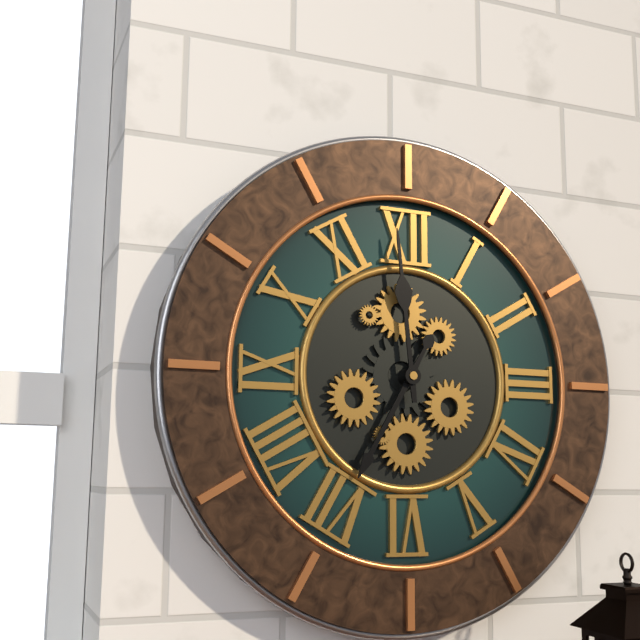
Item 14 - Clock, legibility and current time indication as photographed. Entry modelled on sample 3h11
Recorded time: 6h59
